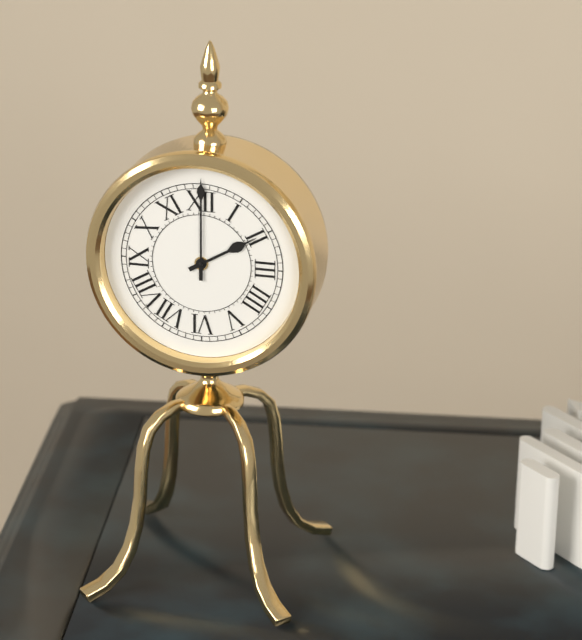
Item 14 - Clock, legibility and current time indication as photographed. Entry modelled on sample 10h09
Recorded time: 2h00
